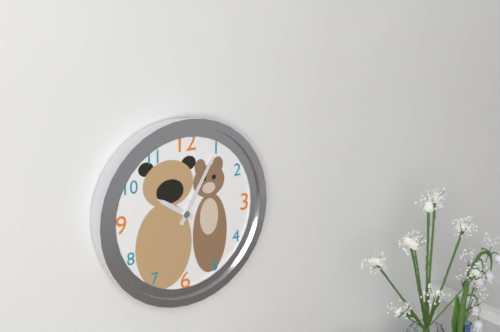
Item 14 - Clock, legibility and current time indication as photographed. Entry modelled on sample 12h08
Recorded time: 10h05
